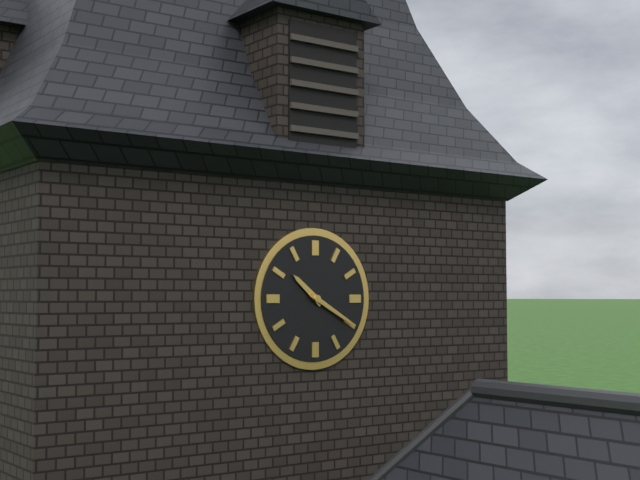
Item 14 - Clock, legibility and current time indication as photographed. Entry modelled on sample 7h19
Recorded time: 10h20
